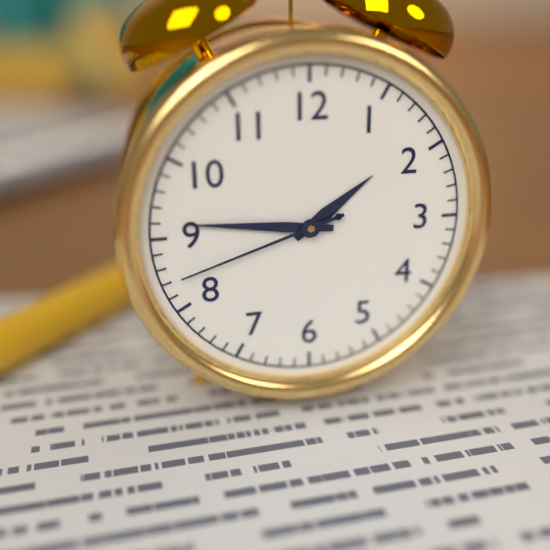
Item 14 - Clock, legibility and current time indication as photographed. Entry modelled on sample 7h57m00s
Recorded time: 1h46m42s
